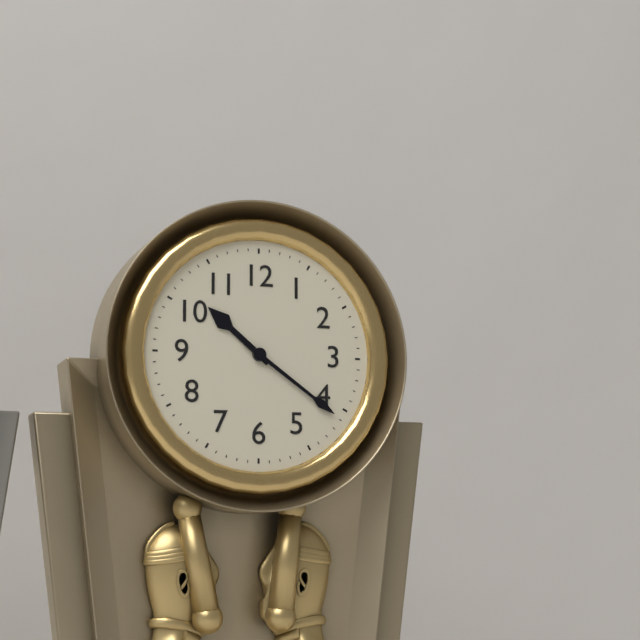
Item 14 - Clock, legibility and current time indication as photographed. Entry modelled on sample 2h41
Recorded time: 10h21
